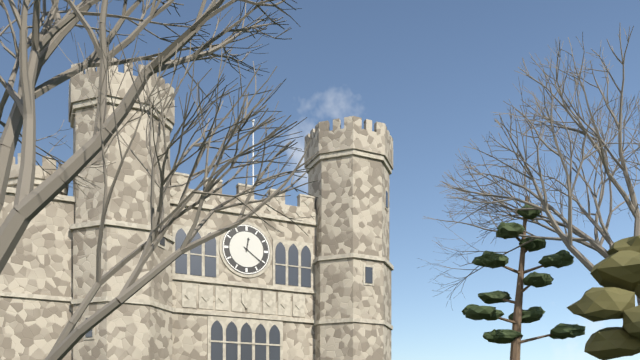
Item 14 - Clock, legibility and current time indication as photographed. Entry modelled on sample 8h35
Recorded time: 12h21
